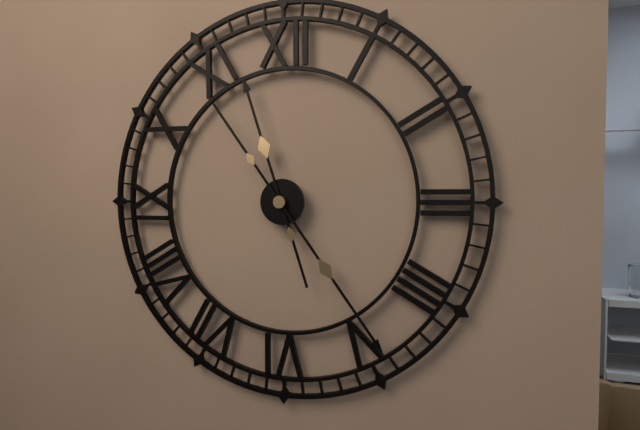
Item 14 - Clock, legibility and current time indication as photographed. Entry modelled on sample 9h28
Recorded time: 11h24
